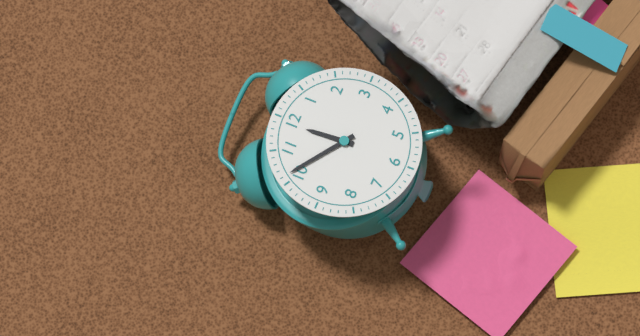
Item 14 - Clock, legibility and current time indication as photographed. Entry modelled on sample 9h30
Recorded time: 11h51
